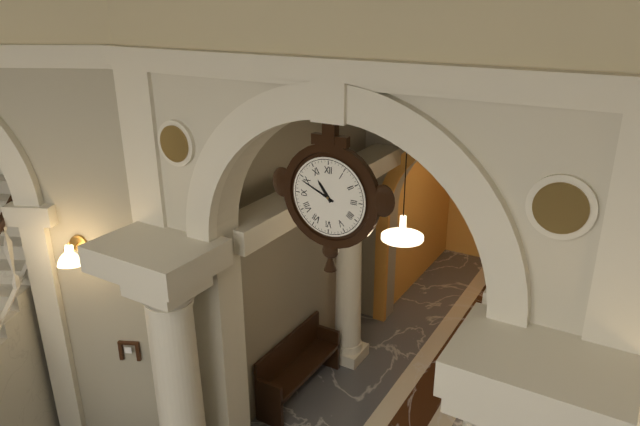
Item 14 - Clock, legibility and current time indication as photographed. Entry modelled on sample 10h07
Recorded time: 10h49
